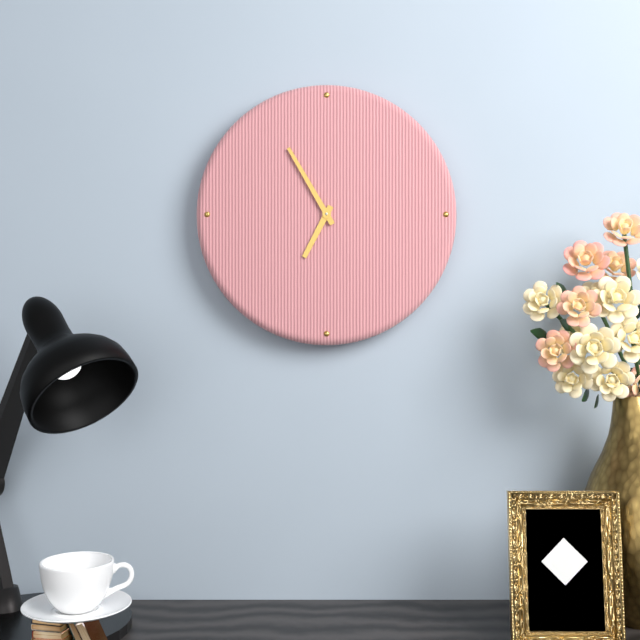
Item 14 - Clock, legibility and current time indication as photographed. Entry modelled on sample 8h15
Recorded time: 6h55
